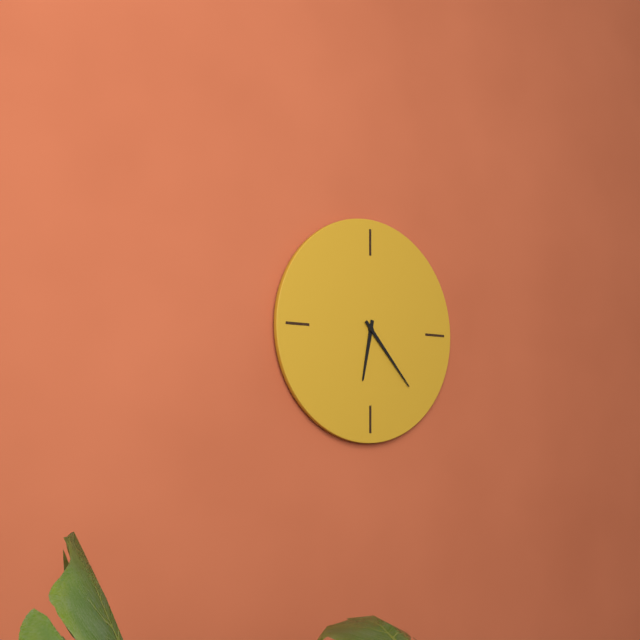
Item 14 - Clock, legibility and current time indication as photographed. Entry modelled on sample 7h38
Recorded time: 6h23
